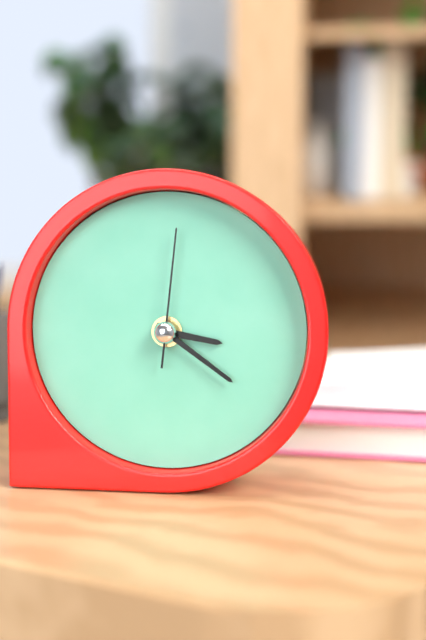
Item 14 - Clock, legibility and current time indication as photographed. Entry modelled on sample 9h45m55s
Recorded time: 3h21m01s
